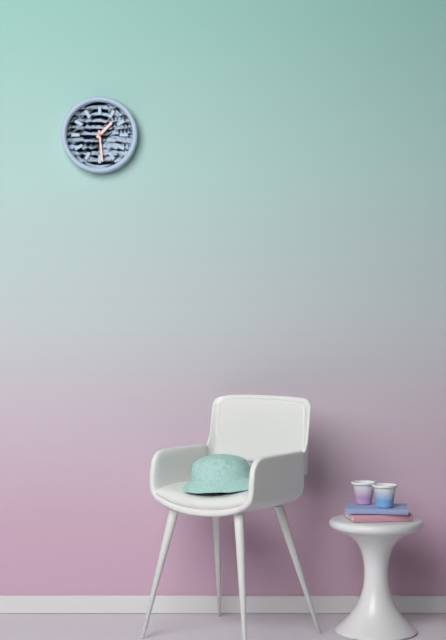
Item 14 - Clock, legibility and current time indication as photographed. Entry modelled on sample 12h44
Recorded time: 1h29
